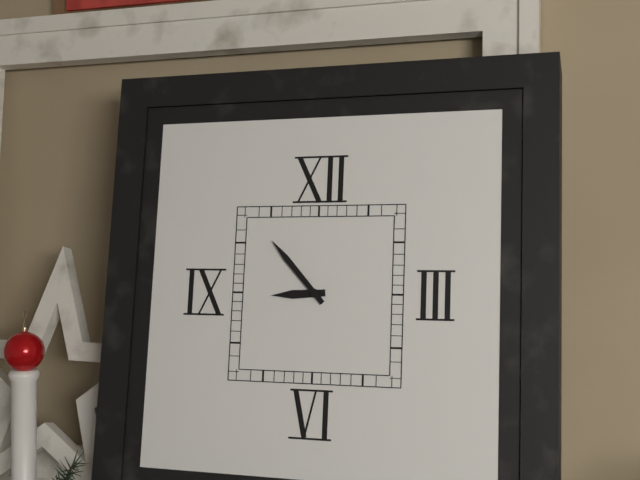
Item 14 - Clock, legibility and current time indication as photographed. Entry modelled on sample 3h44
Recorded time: 8h53
